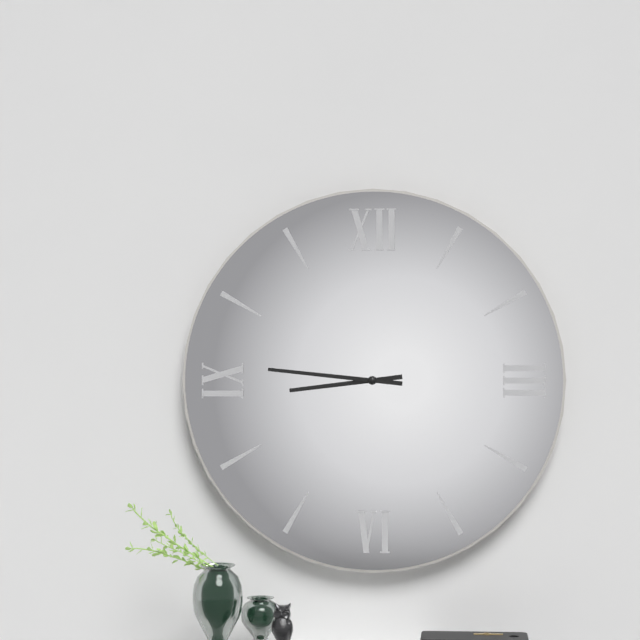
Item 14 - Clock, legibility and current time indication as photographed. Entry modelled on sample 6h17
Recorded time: 8h46
